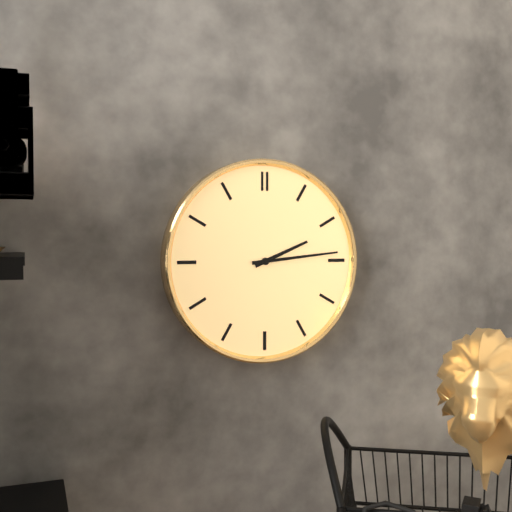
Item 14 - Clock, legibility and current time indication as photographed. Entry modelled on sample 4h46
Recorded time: 2h14
